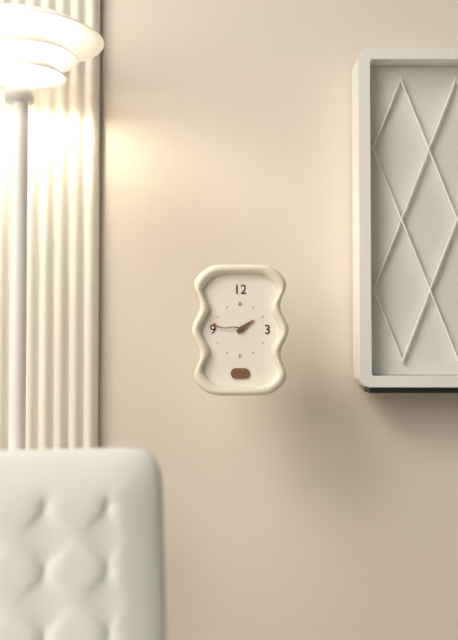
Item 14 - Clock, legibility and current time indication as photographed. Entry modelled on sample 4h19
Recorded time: 1h47
